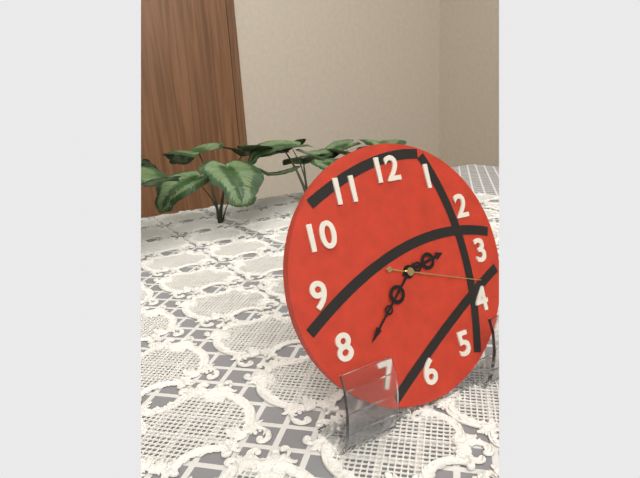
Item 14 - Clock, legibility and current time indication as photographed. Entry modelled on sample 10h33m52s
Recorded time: 2h38m18s
